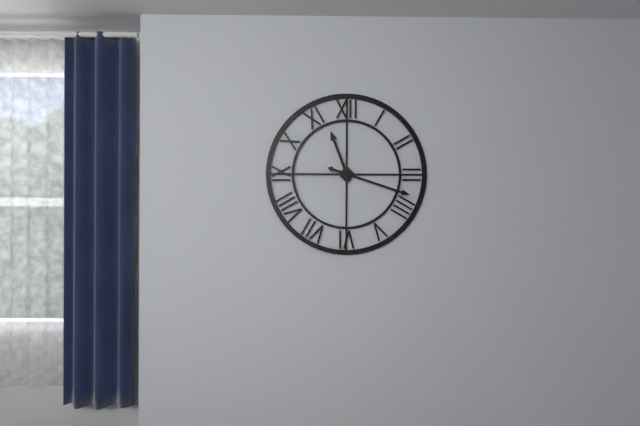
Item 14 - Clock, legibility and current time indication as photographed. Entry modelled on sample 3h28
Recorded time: 11h18
